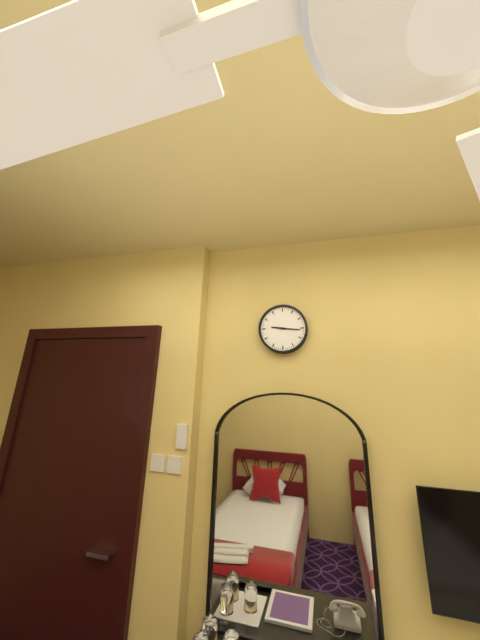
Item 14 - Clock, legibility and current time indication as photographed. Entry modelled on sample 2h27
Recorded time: 9h16
